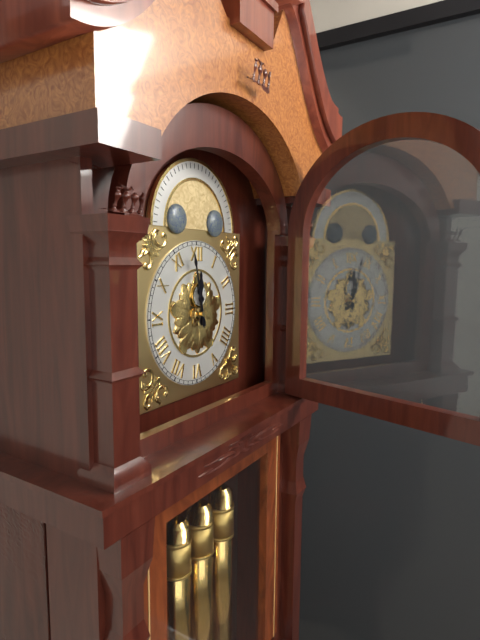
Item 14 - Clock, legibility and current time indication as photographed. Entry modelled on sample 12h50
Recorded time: 11h58
